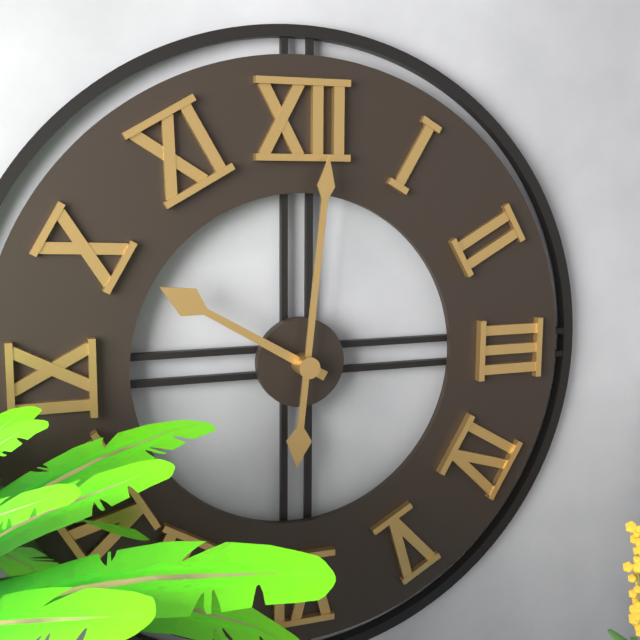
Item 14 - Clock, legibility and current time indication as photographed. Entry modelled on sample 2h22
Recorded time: 10h01
